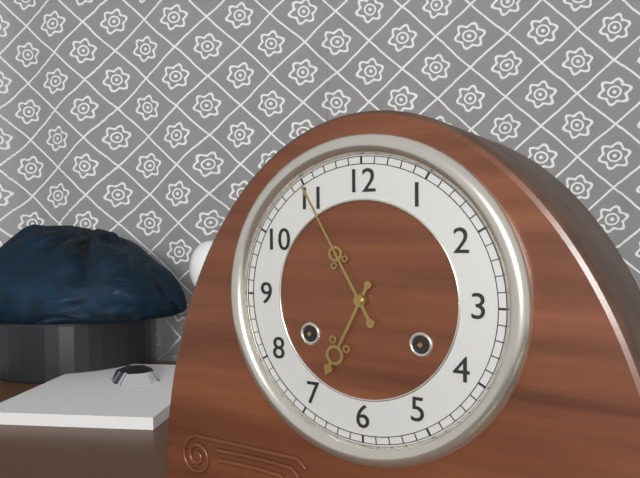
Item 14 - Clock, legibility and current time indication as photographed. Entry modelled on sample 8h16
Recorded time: 6h55
